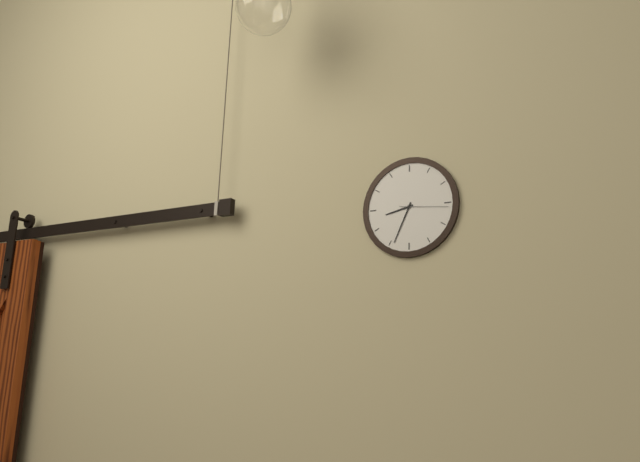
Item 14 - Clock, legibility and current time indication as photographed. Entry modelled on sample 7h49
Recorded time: 8h34
